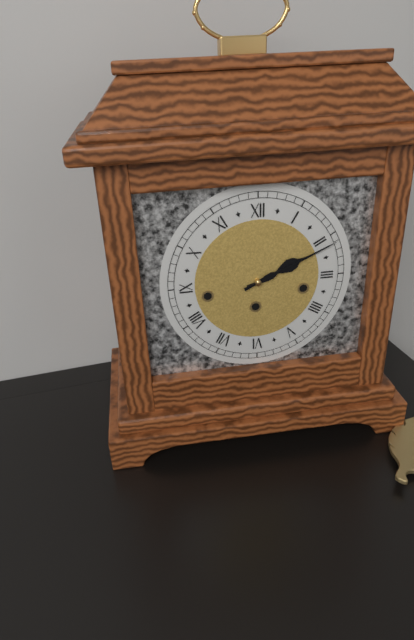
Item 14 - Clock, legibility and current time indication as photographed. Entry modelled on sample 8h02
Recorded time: 2h11
